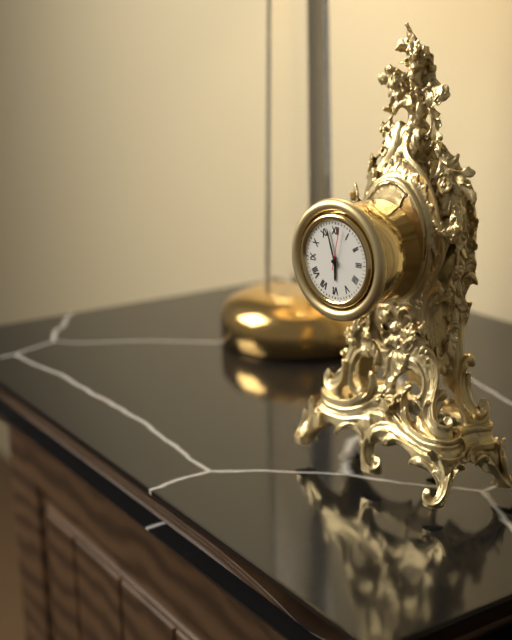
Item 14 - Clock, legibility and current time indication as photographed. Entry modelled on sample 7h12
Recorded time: 5h57
